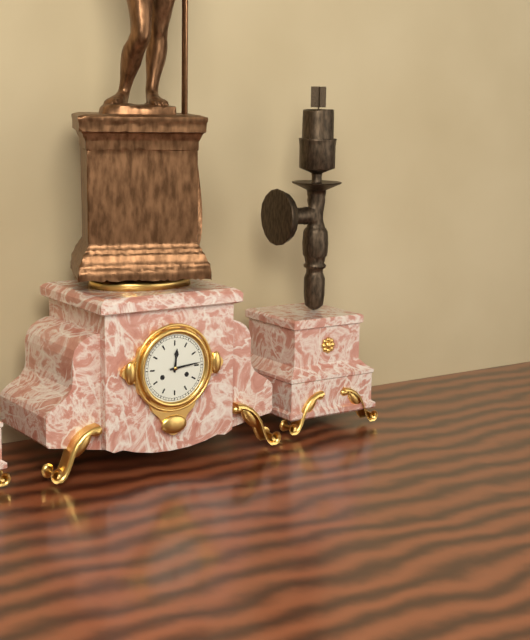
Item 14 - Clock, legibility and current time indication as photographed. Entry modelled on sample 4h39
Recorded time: 12h14
